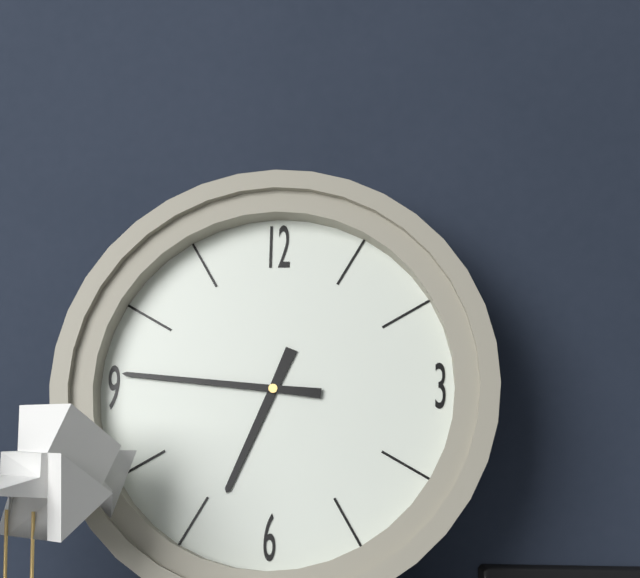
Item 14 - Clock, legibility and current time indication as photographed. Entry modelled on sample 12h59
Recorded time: 6h46
